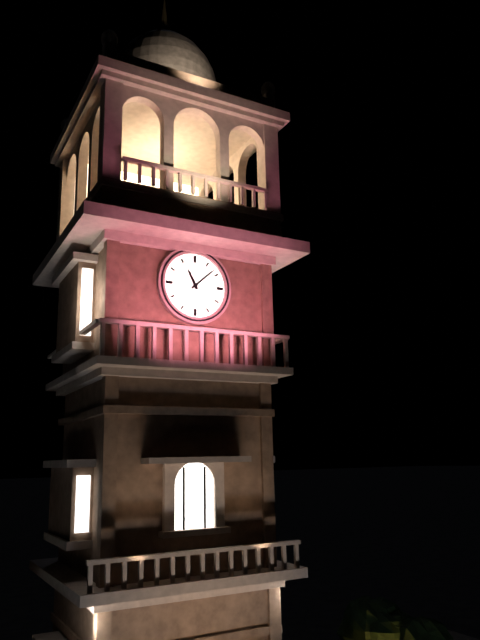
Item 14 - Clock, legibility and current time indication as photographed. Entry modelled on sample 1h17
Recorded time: 11h08
